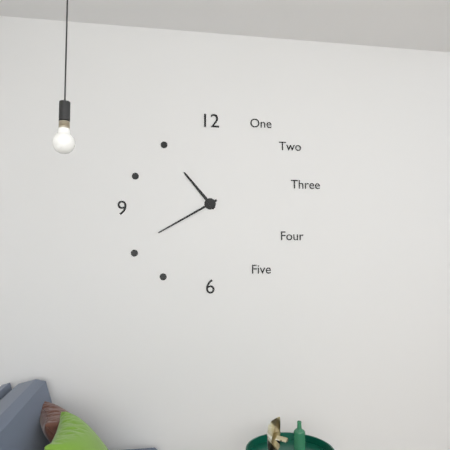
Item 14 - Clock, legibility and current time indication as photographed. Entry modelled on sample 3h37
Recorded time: 10h40
